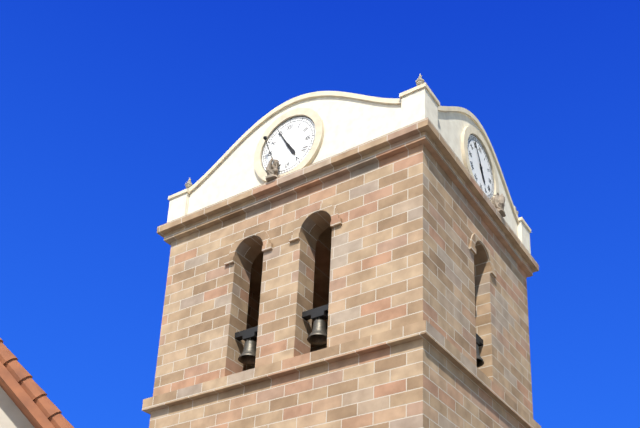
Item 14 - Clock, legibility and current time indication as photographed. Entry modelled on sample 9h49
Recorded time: 4h55
